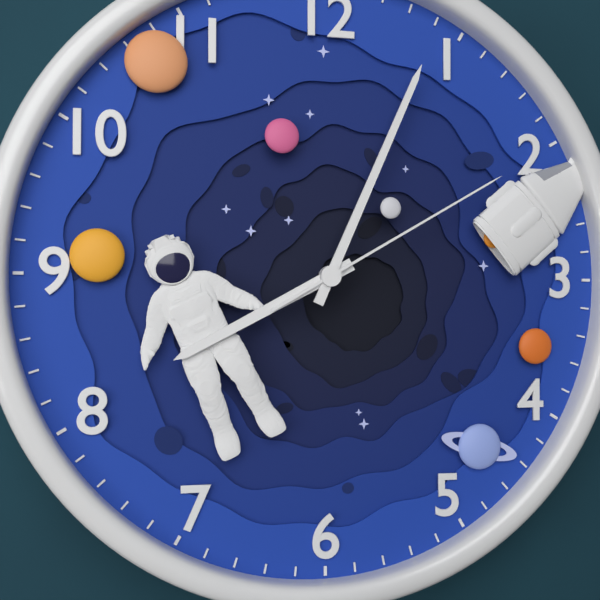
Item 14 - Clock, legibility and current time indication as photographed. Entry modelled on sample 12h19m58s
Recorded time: 8h04m10s
